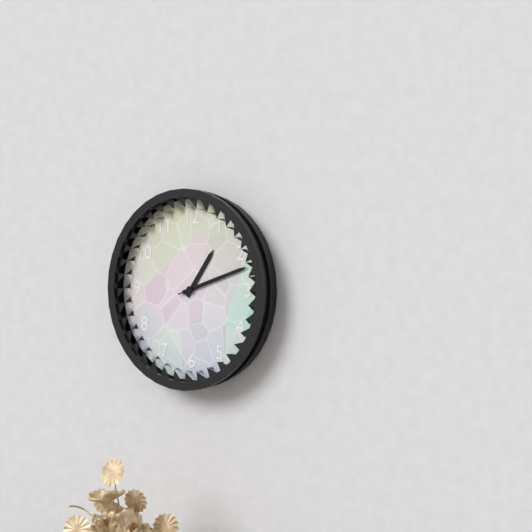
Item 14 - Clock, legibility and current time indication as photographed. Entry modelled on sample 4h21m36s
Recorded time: 1h12m12s
